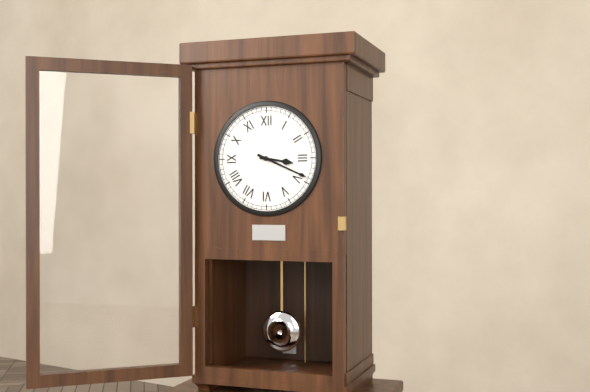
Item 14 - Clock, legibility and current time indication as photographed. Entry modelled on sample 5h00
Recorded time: 3h19
